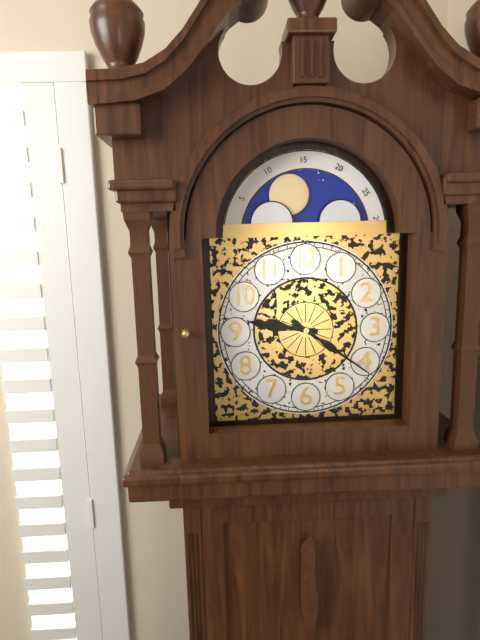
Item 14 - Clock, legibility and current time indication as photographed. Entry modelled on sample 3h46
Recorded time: 9h21
